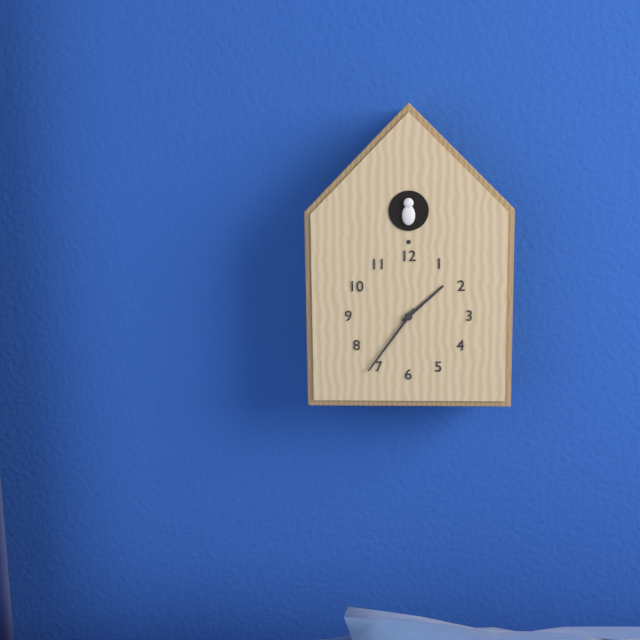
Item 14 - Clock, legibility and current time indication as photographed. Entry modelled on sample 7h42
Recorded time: 1h36
